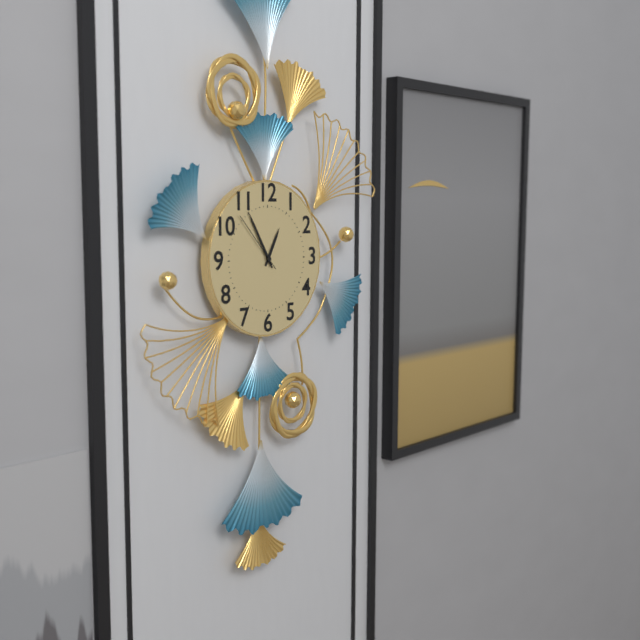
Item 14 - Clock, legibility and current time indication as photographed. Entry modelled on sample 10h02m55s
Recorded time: 12h55m53s
